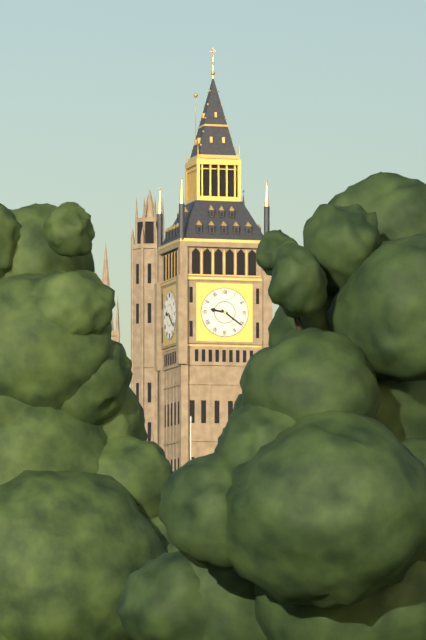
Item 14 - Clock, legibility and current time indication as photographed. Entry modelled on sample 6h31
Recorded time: 9h21
